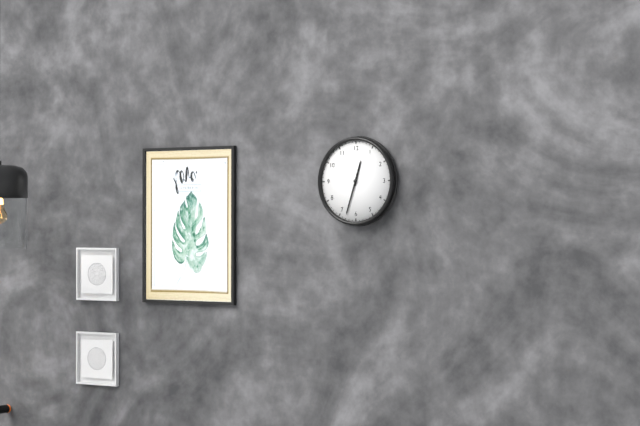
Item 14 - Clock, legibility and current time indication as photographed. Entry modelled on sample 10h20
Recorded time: 12h33
